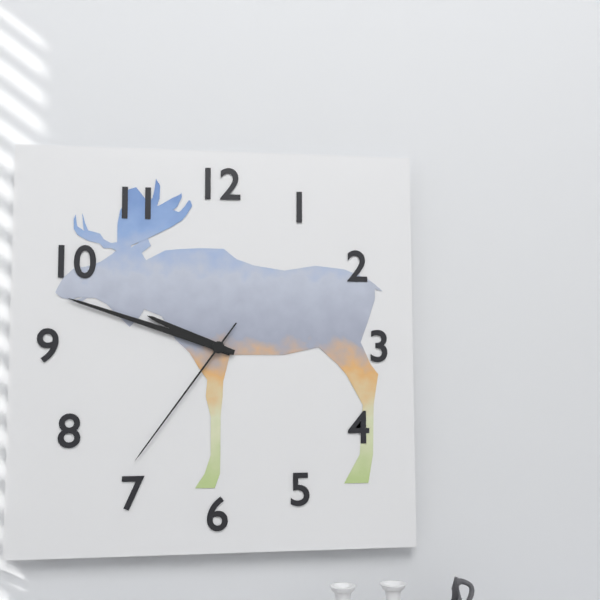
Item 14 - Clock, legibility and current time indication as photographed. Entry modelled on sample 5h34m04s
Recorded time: 9h48m36s
